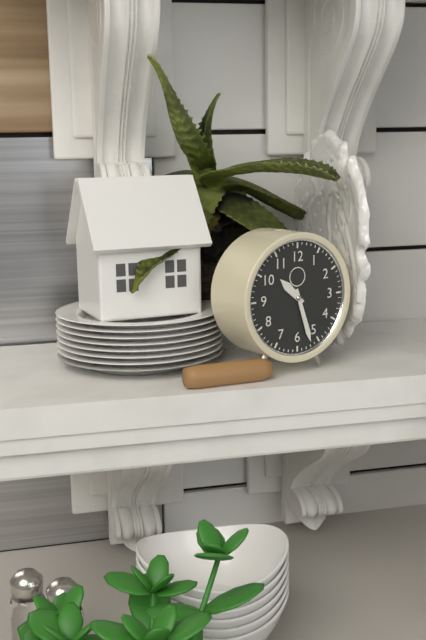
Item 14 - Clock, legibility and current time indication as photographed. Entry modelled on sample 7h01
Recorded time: 10h27
